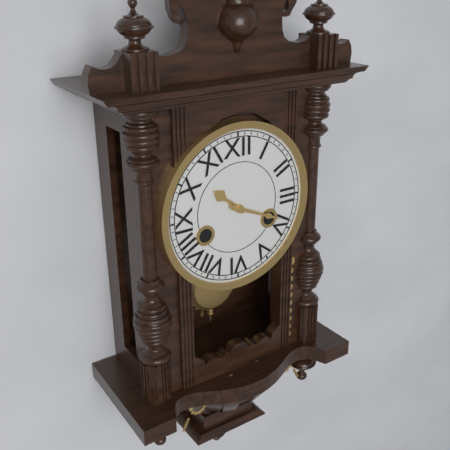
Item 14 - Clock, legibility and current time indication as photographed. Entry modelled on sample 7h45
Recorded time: 10h19
